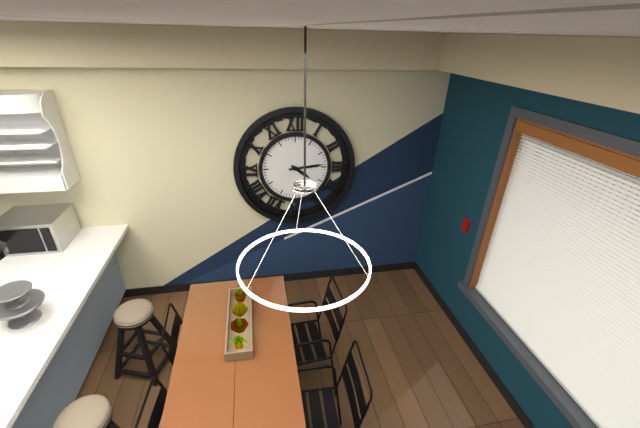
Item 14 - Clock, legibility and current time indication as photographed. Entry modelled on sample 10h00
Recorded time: 4h14
